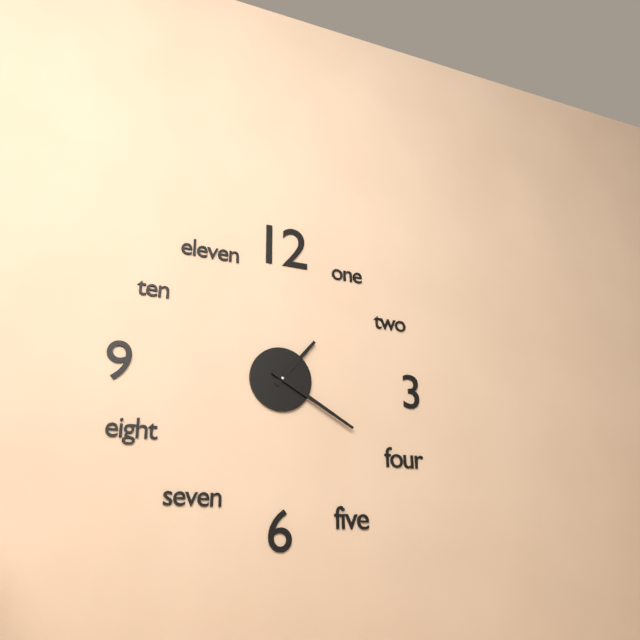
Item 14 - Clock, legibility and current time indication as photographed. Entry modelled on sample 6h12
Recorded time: 1h20
